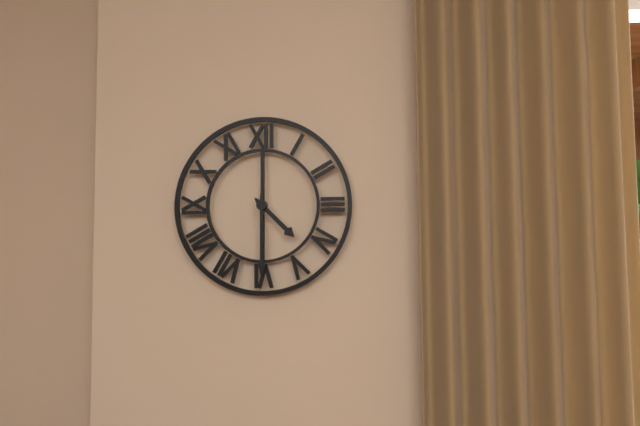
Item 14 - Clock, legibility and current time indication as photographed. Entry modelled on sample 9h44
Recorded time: 4h30
